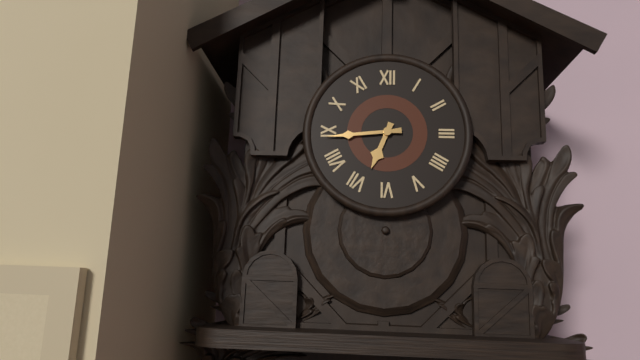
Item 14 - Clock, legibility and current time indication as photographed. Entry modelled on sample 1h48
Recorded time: 6h44
